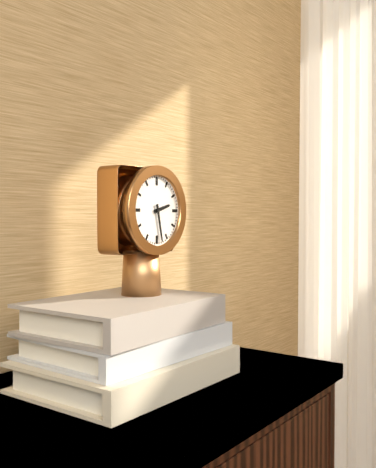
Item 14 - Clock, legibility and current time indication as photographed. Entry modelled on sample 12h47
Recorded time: 2h28
